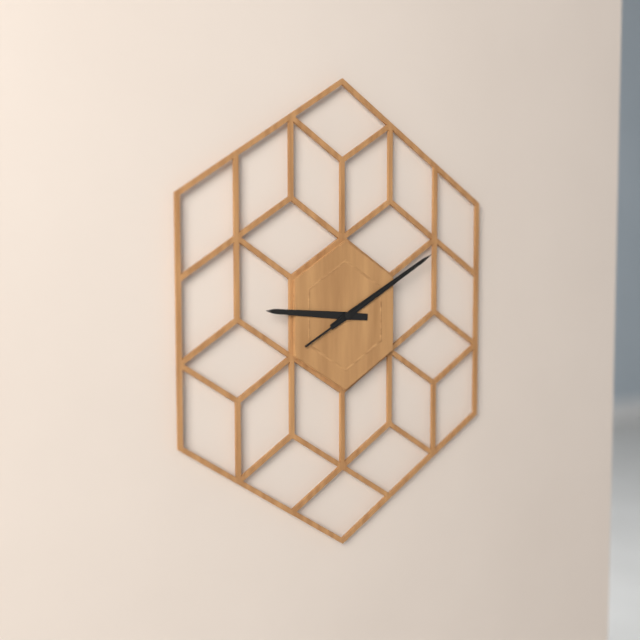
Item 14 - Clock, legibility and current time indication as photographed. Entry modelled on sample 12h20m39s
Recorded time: 9h10m10s
